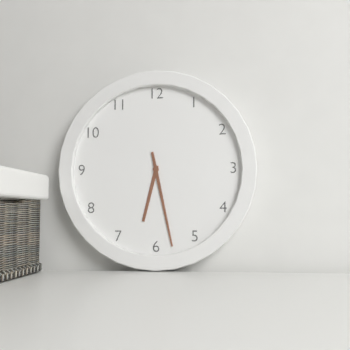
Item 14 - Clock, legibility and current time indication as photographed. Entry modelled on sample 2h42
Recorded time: 6h28
